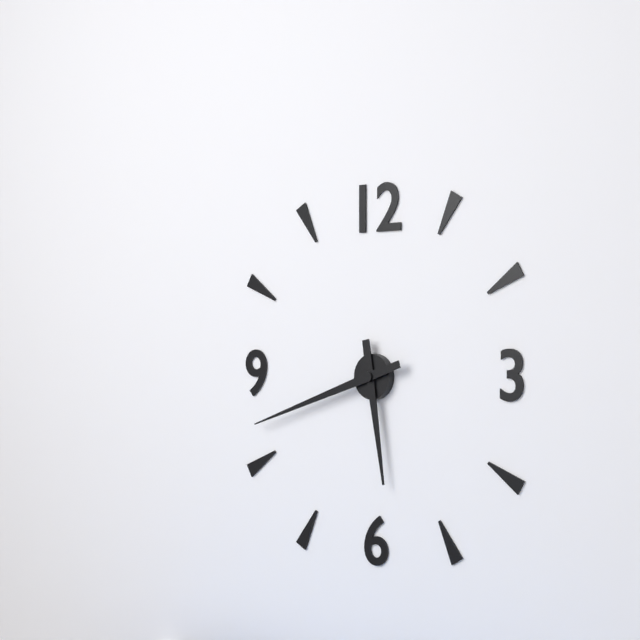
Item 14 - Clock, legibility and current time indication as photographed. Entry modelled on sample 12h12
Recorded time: 5h42
